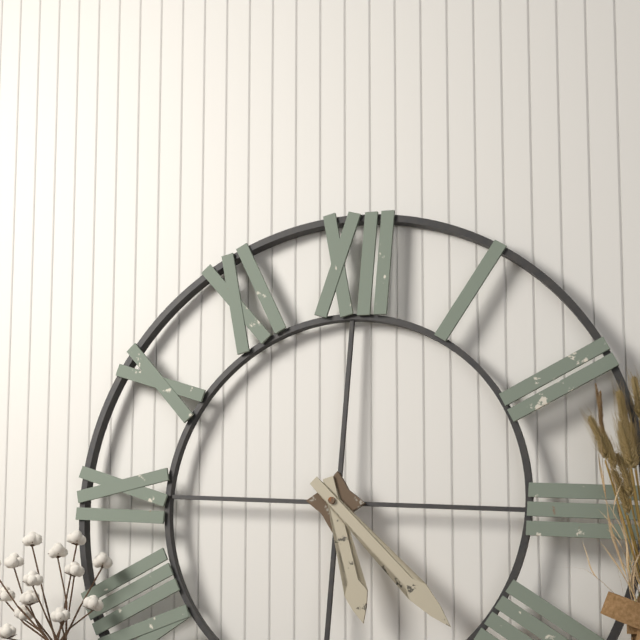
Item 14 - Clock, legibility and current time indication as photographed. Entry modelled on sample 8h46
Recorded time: 5h22
